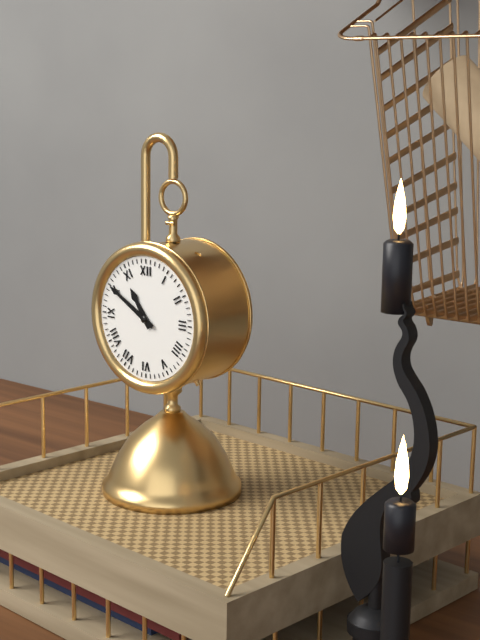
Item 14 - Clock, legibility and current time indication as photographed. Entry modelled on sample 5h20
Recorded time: 10h50
